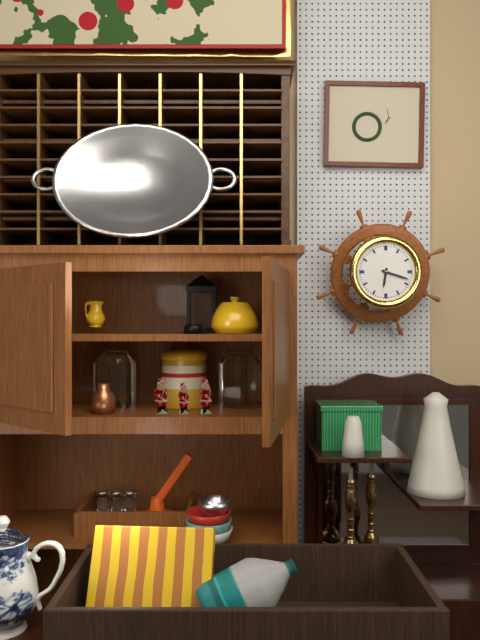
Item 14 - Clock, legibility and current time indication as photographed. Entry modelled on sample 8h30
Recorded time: 6h18
